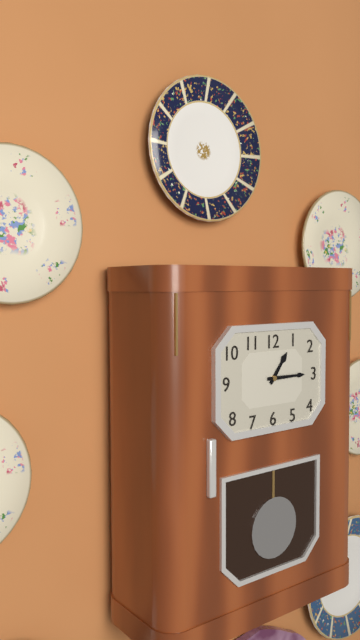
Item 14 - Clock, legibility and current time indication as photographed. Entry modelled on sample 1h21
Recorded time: 1h15
